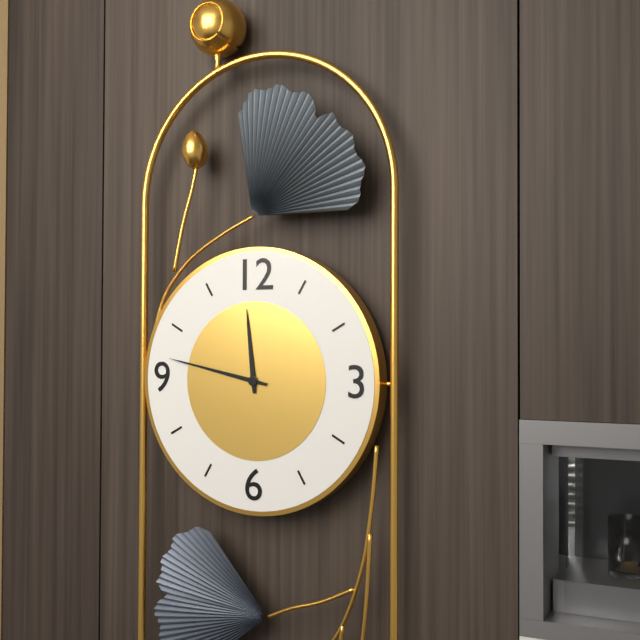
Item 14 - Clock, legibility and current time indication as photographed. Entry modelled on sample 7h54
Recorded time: 11h47
